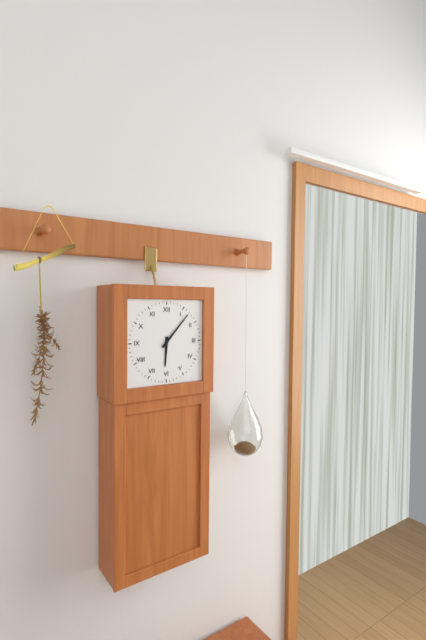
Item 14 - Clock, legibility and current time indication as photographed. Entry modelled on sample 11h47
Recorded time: 6h07
